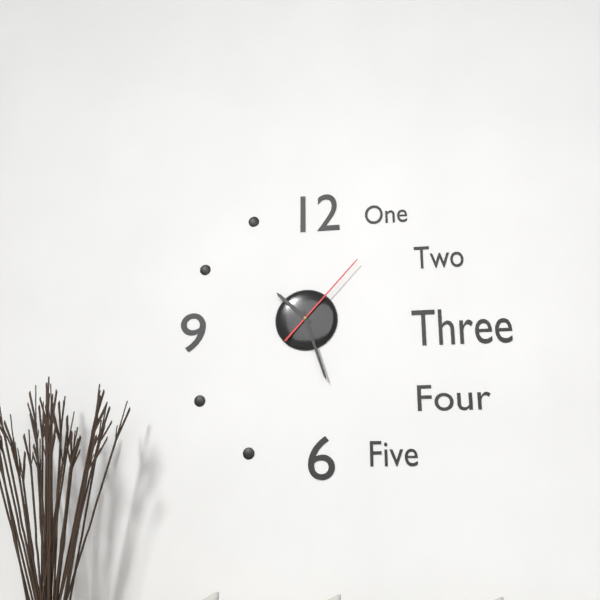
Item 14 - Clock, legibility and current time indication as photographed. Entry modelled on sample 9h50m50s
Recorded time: 10h27m07s
